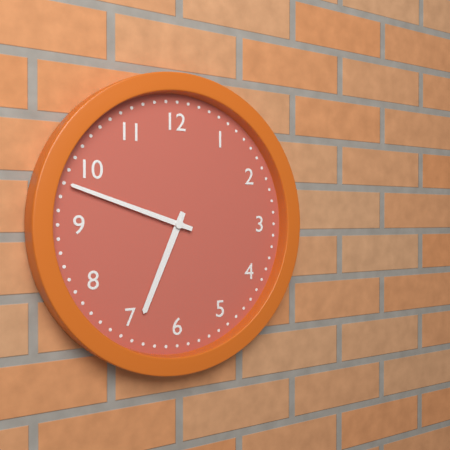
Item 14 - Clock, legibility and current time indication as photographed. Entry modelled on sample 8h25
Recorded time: 6h48
